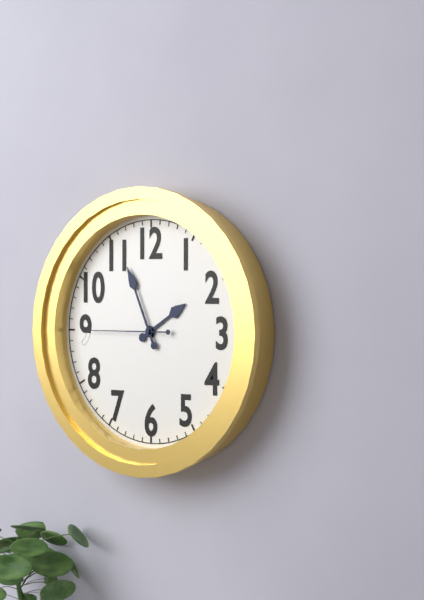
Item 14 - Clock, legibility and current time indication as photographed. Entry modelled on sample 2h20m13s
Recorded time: 1h56m45s
